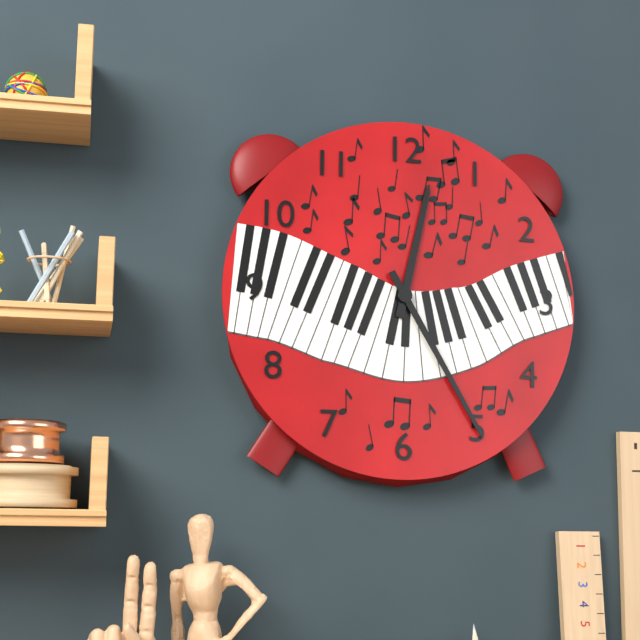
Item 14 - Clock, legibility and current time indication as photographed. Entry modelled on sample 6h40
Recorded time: 12h25
